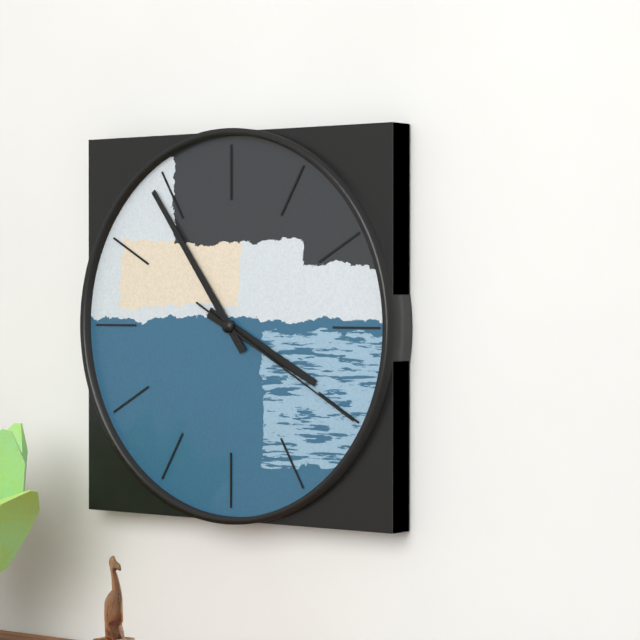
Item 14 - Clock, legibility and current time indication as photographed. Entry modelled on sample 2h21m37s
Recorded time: 3h54m20s
